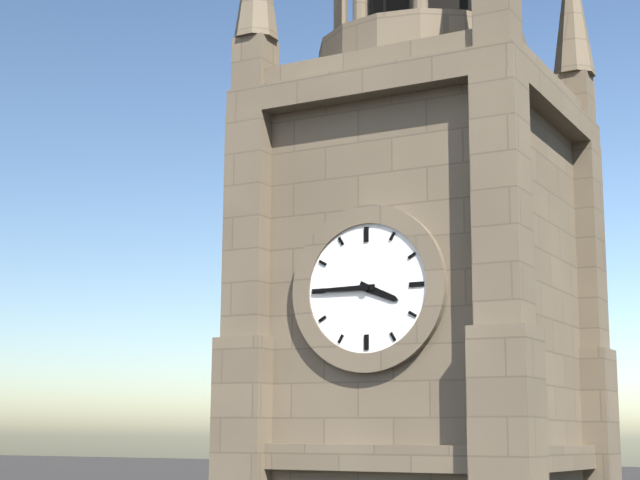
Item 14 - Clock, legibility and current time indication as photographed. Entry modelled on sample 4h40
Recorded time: 3h45
